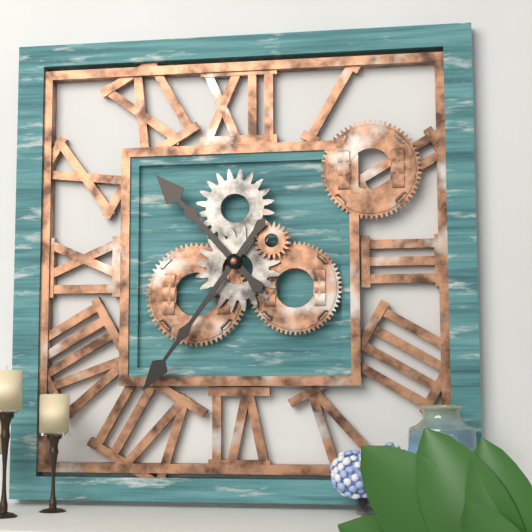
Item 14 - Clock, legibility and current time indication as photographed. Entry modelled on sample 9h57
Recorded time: 10h36
